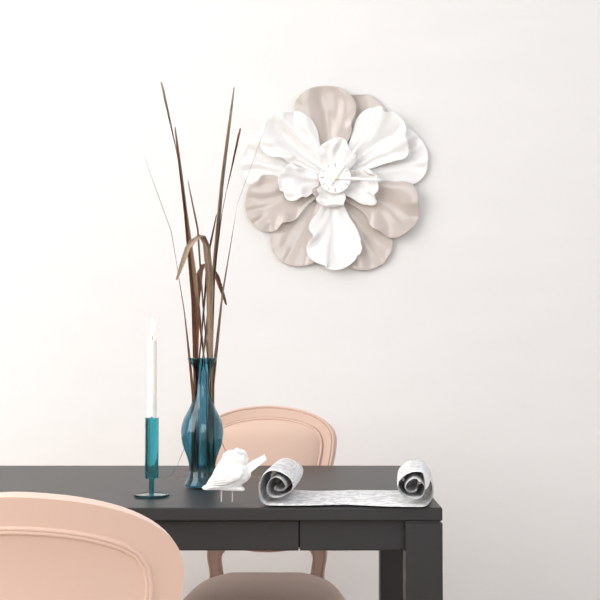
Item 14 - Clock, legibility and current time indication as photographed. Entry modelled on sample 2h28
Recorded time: 3h06
